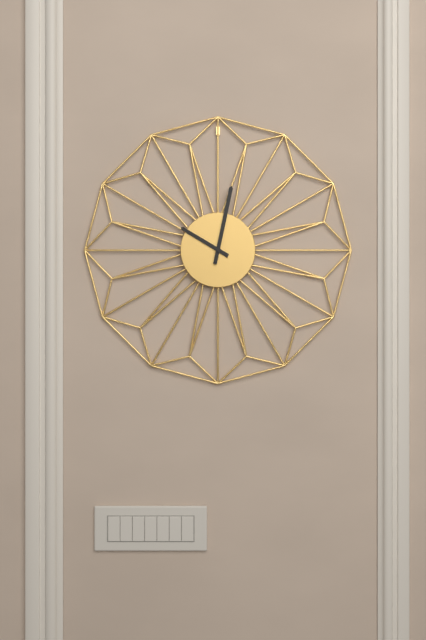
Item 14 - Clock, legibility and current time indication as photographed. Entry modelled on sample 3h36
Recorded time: 10h02
